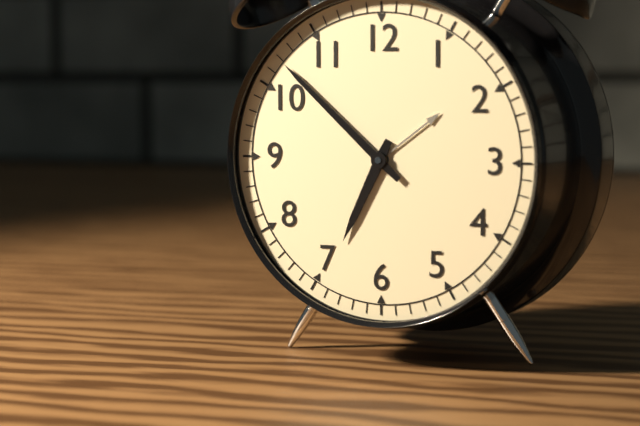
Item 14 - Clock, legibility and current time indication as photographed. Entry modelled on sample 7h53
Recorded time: 6h52
